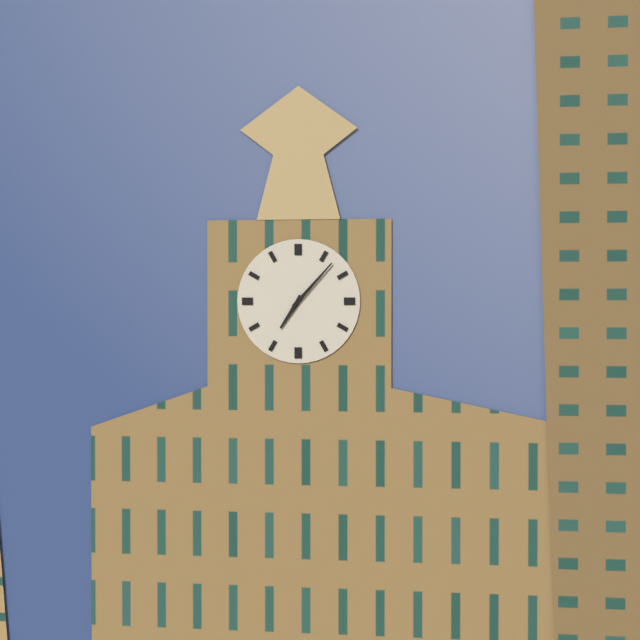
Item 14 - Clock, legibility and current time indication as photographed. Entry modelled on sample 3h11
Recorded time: 7h07
